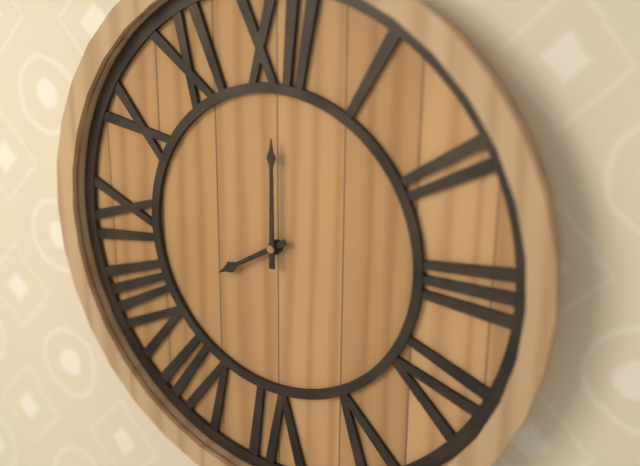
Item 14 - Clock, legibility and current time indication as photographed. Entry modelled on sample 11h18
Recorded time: 8h00
